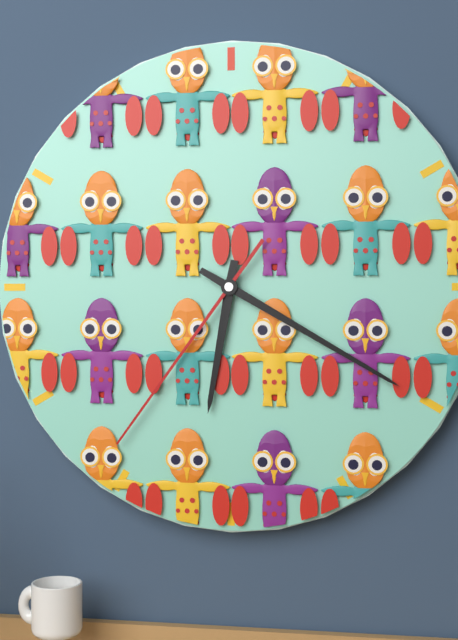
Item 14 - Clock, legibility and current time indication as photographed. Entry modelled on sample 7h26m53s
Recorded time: 6h20m36s
